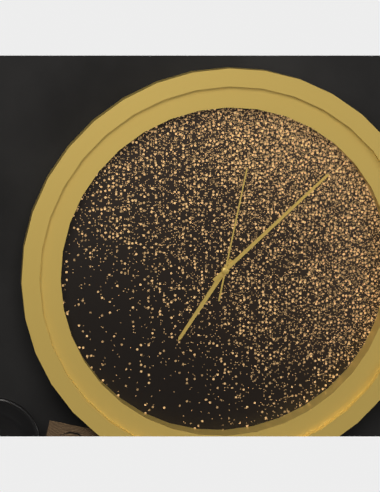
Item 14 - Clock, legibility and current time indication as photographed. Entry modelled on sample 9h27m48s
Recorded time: 7h08m02s
